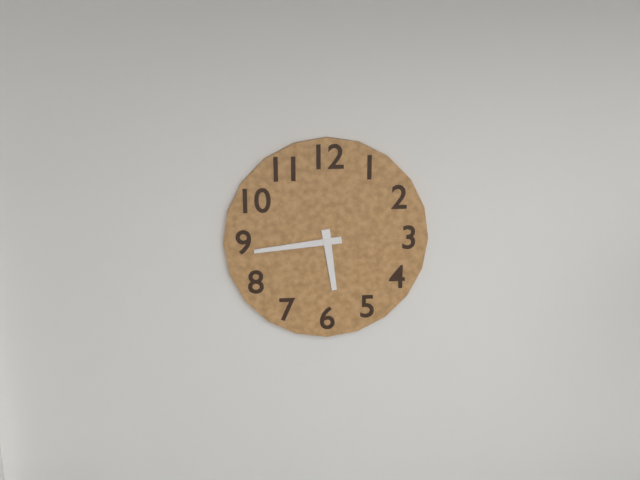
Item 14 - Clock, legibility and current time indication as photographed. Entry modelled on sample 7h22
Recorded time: 5h44
